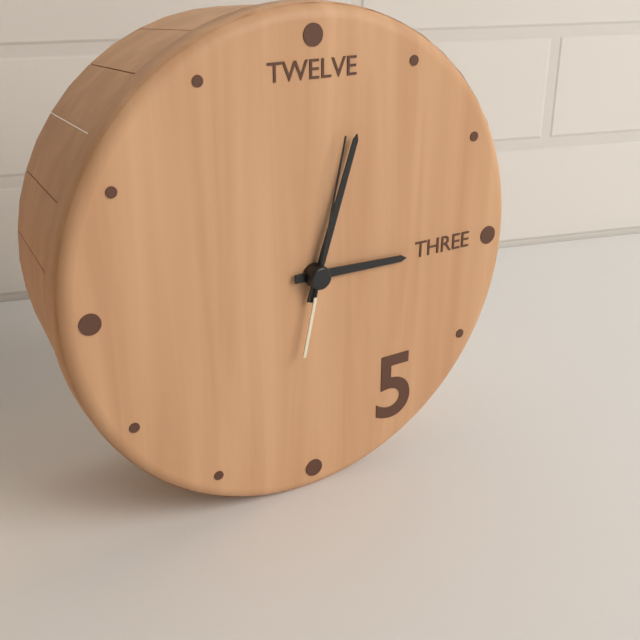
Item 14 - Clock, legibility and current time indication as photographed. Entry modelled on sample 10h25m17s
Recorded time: 3h03m02s
